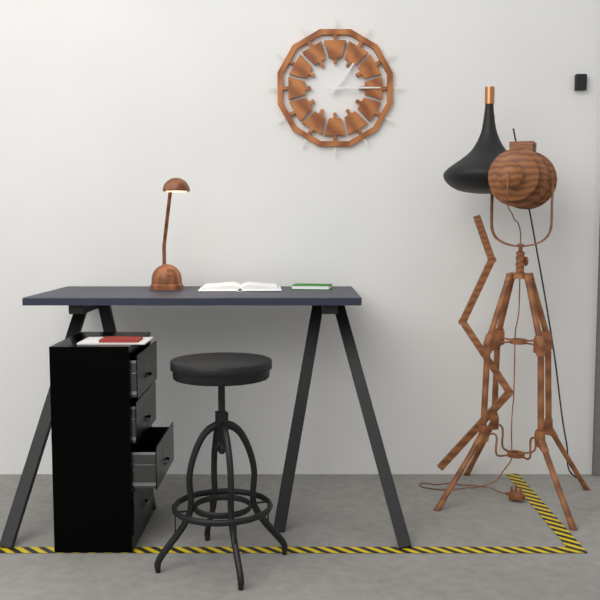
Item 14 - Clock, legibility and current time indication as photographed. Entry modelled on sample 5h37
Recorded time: 1h15
